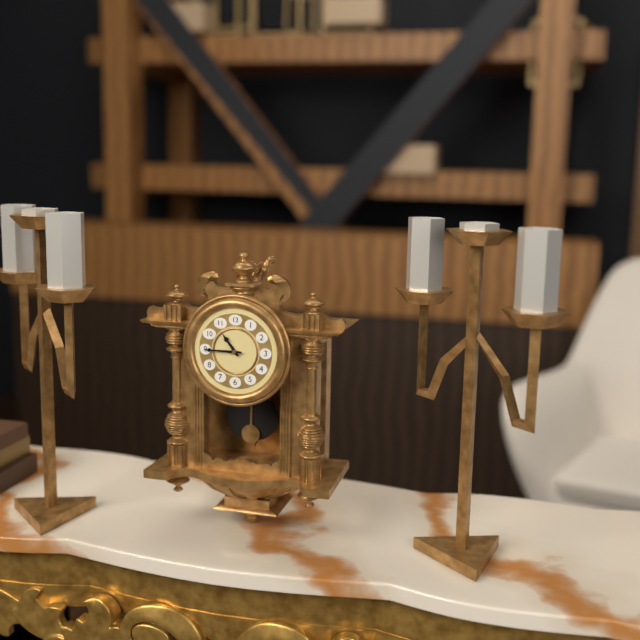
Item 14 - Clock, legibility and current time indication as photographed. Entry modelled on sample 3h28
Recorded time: 10h45
